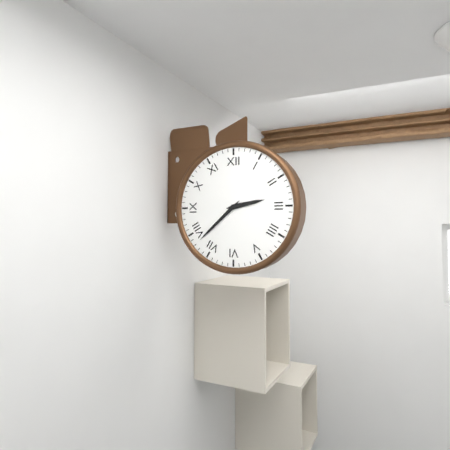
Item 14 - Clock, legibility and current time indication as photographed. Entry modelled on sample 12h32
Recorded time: 2h38
